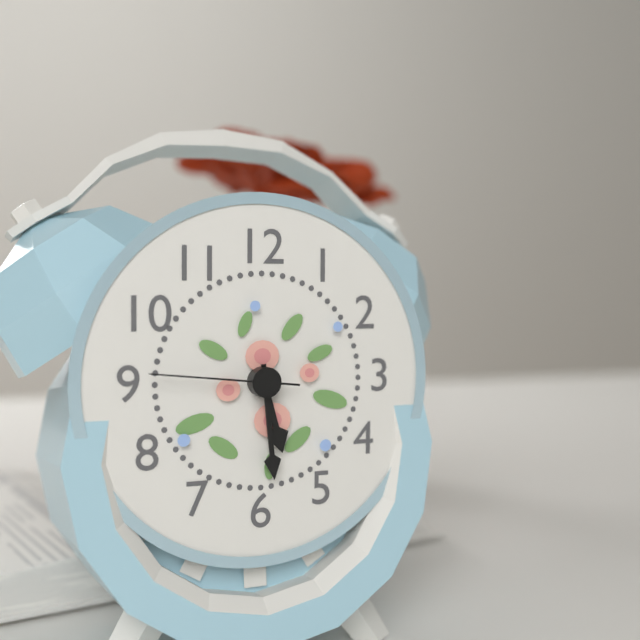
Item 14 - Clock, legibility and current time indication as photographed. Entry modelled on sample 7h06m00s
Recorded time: 5h29m46s
